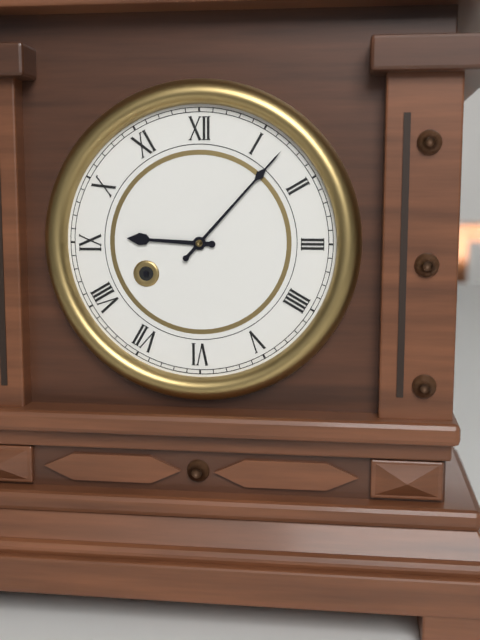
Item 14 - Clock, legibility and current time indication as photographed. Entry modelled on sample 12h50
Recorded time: 9h07
